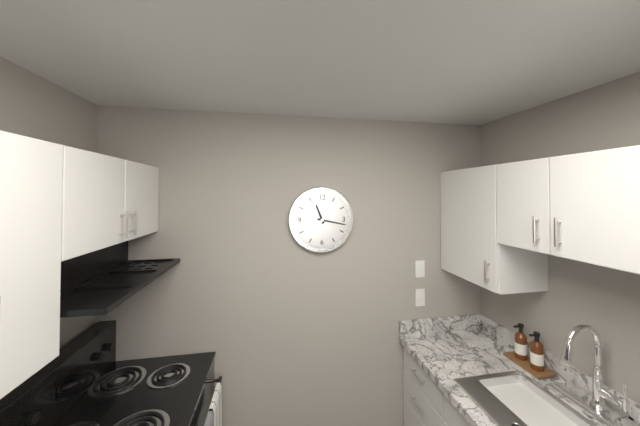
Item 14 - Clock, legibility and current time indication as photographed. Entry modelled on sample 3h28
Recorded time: 11h17
